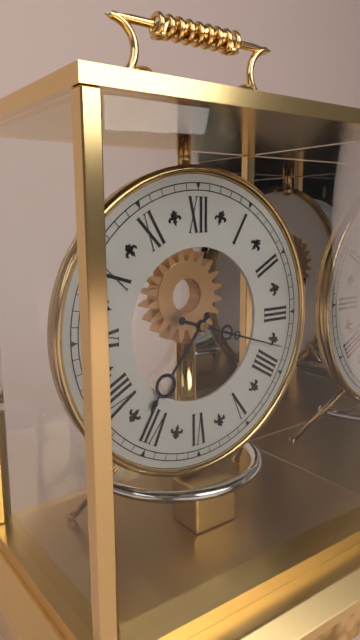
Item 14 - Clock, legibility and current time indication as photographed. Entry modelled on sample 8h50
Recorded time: 7h18
